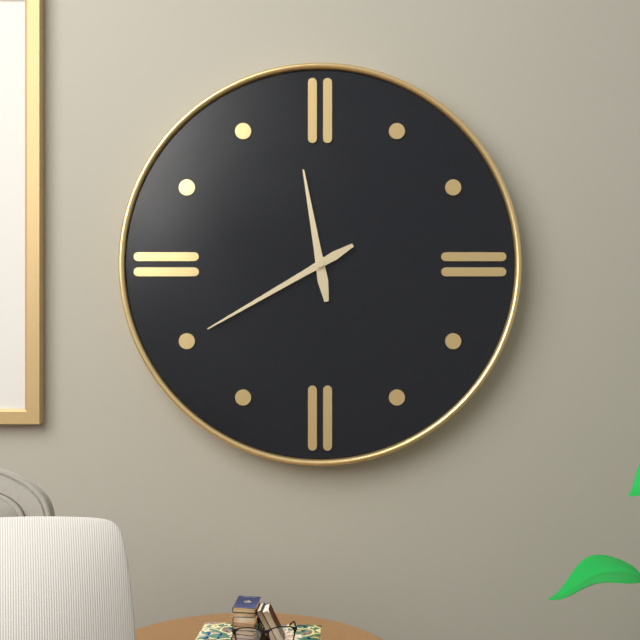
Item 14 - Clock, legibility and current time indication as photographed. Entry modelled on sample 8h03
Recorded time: 11h40
